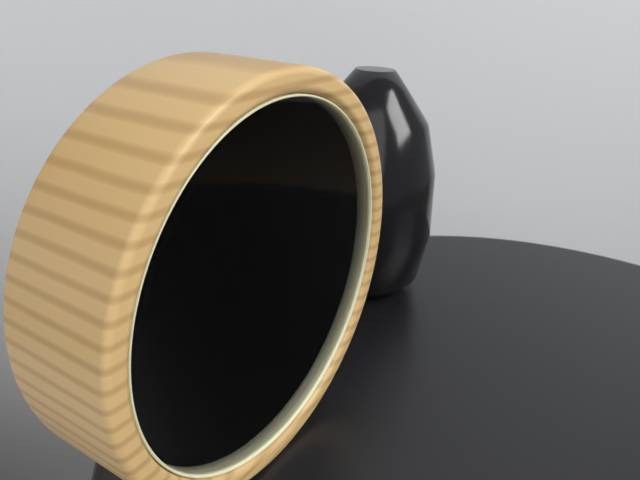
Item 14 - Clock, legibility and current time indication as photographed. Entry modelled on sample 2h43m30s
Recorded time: 3h08m10s
